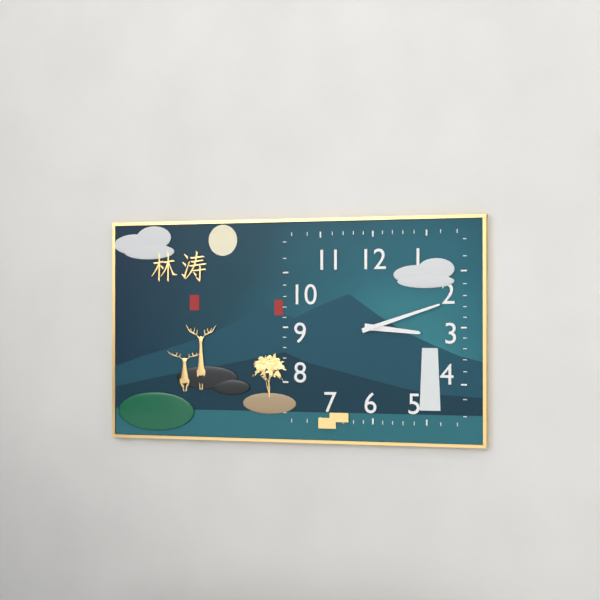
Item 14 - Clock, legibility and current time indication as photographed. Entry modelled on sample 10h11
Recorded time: 3h12
